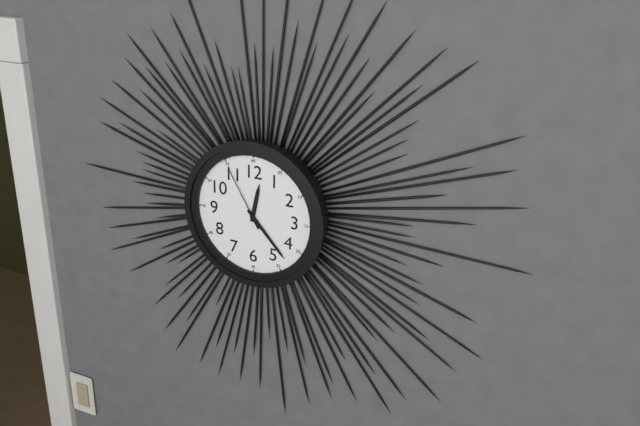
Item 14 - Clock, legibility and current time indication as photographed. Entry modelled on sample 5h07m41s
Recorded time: 12h23m55s
